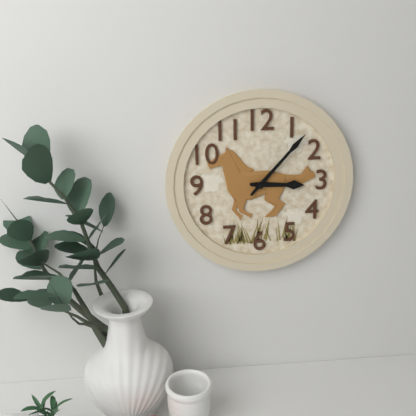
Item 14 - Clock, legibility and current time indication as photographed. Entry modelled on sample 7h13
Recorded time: 3h07
